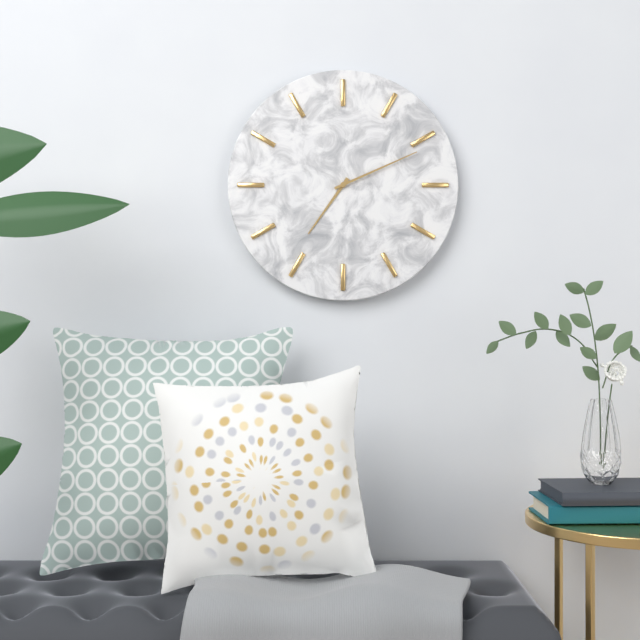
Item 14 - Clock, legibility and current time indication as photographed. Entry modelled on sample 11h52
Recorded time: 7h11
